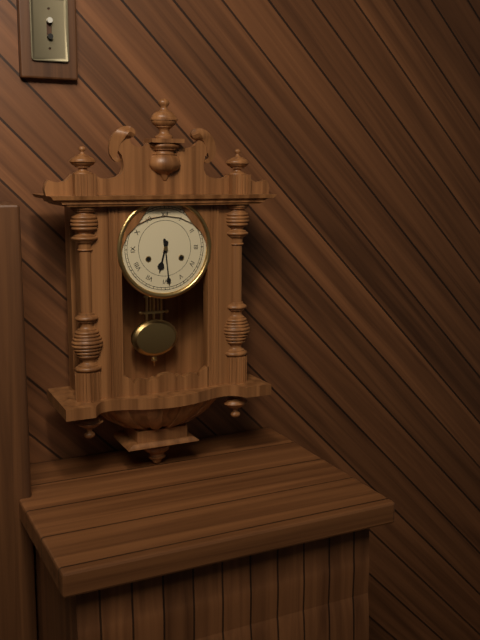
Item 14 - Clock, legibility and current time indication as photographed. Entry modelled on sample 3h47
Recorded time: 6h29
